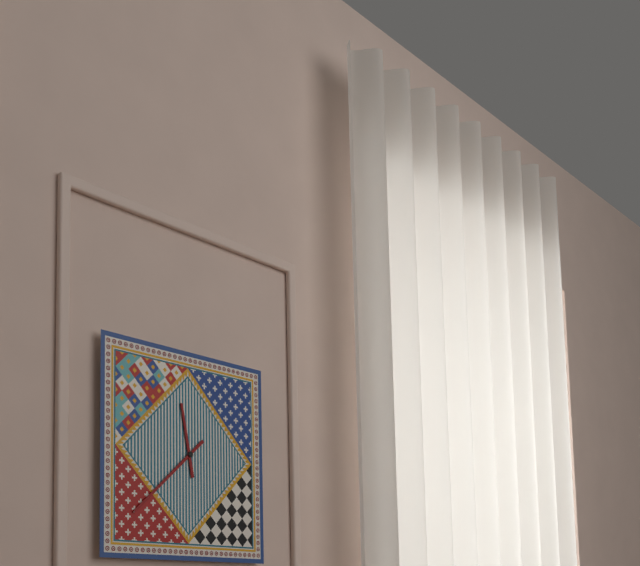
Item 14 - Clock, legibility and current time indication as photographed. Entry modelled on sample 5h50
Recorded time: 11h38
